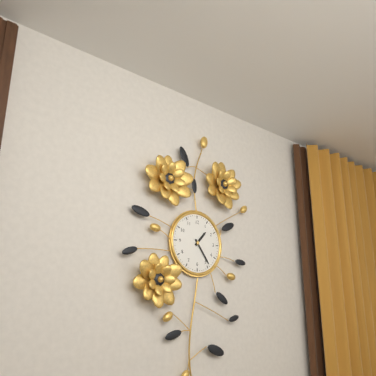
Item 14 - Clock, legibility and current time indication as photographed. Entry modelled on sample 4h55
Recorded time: 1h24
